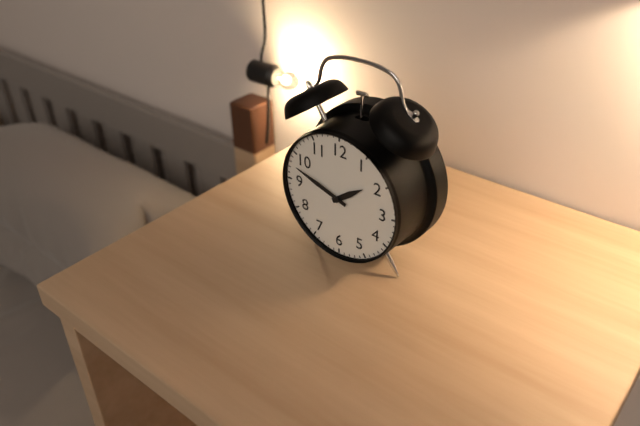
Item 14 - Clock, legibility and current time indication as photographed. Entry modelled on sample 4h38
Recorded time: 1h48
